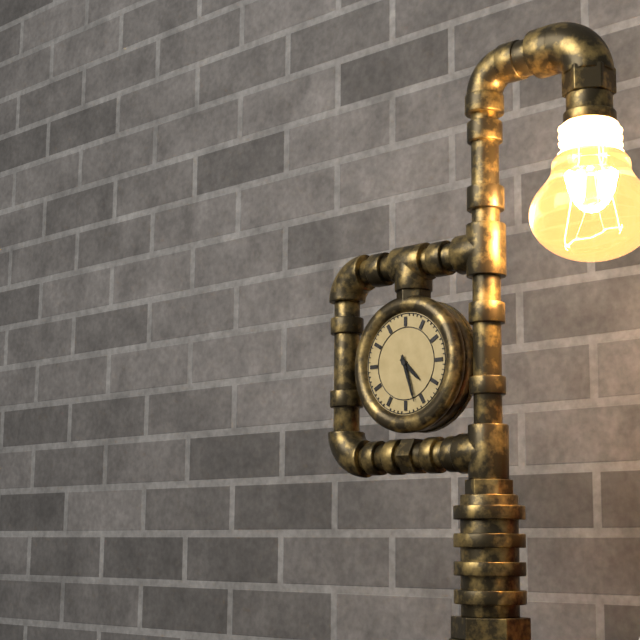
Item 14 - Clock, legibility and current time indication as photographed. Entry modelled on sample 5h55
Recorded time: 4h27
